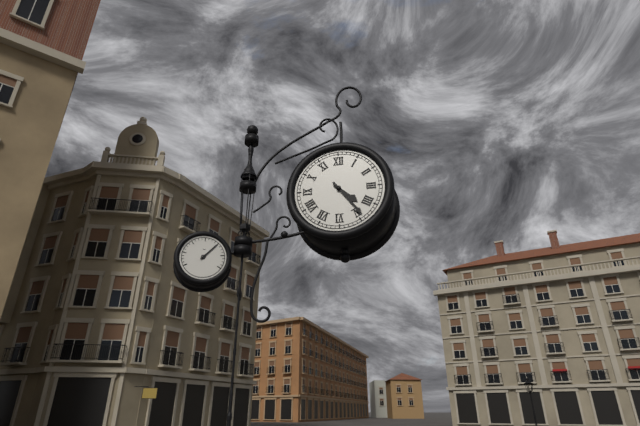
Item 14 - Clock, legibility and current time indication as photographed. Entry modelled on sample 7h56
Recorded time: 4h24
